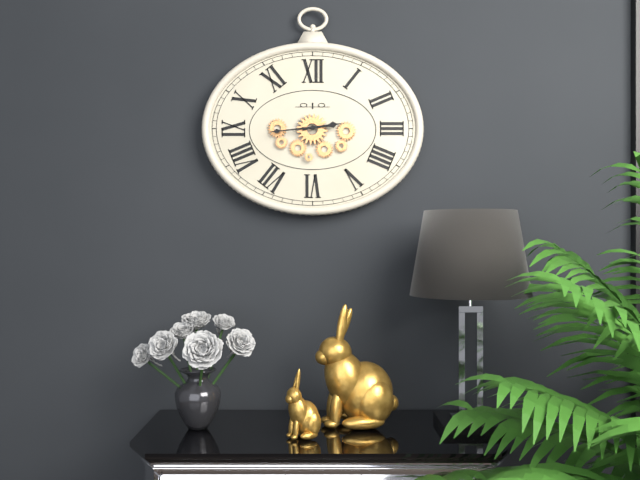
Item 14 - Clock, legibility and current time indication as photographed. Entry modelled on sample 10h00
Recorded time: 2h44
